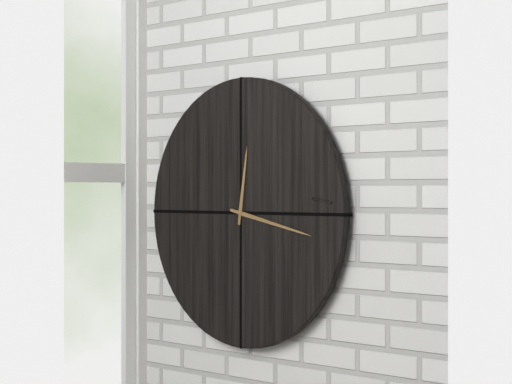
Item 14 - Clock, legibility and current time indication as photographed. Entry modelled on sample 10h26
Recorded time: 12h17
